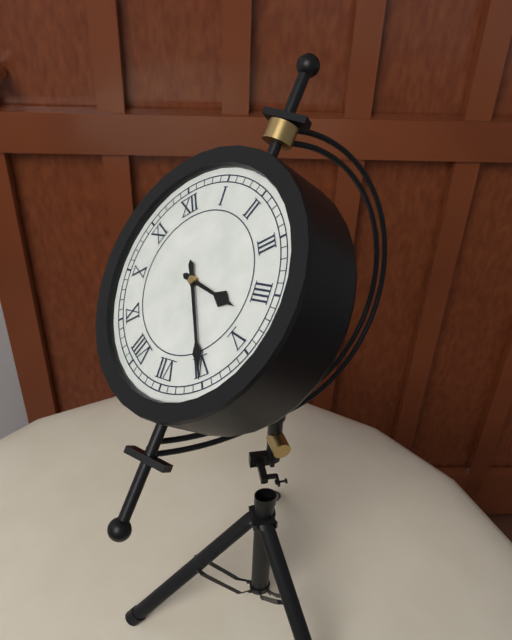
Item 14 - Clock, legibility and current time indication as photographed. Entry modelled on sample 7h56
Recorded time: 4h30
